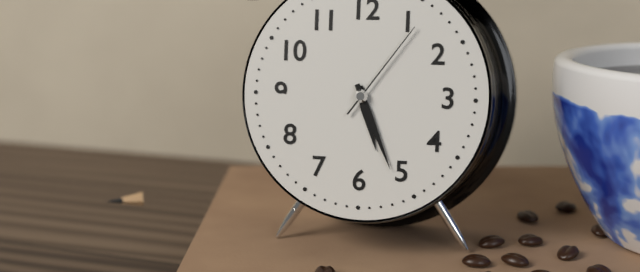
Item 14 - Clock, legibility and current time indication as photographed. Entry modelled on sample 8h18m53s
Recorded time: 5h26m06s
